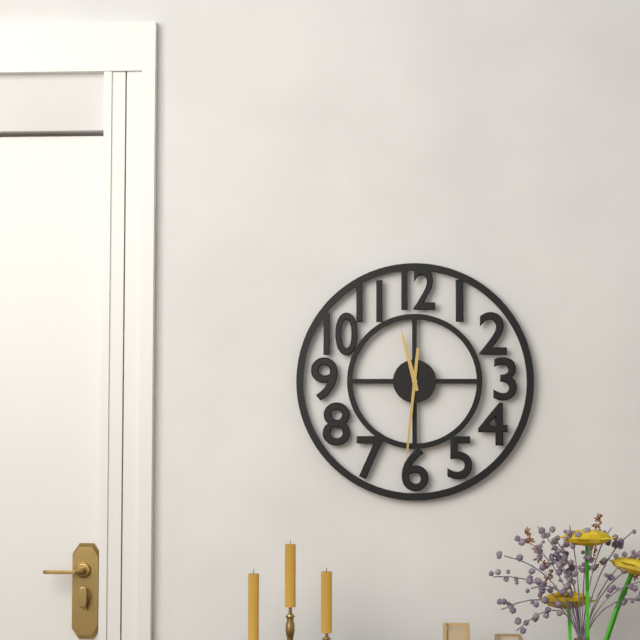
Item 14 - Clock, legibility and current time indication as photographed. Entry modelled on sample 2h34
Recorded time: 11h31
